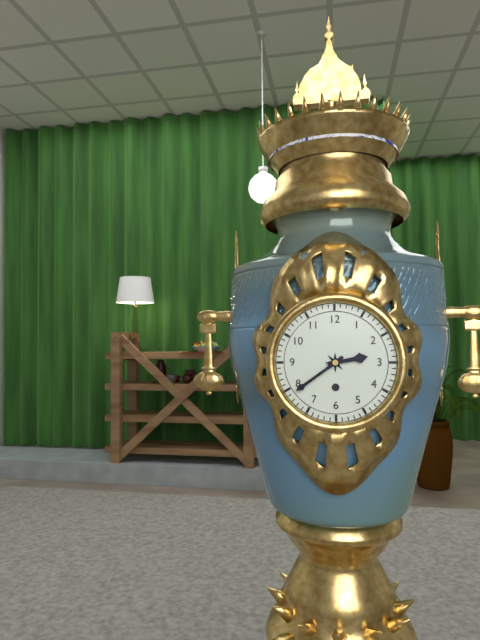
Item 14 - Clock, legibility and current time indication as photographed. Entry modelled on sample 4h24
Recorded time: 2h39
